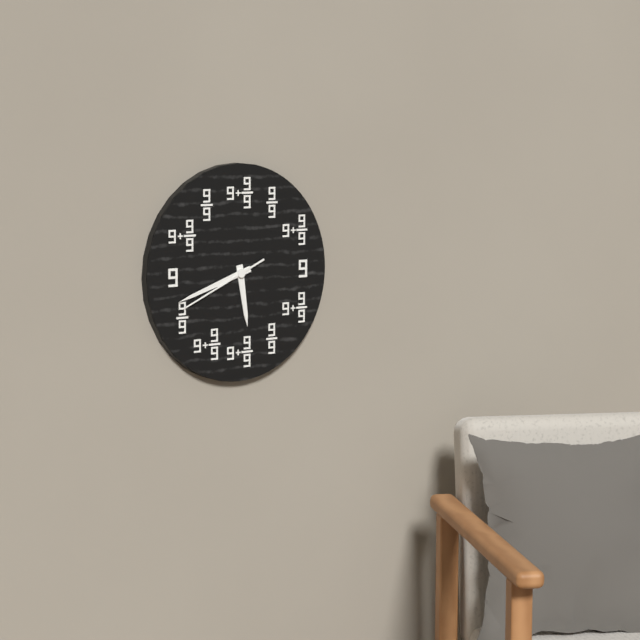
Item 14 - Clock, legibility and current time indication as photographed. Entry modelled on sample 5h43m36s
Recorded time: 5h42m41s
